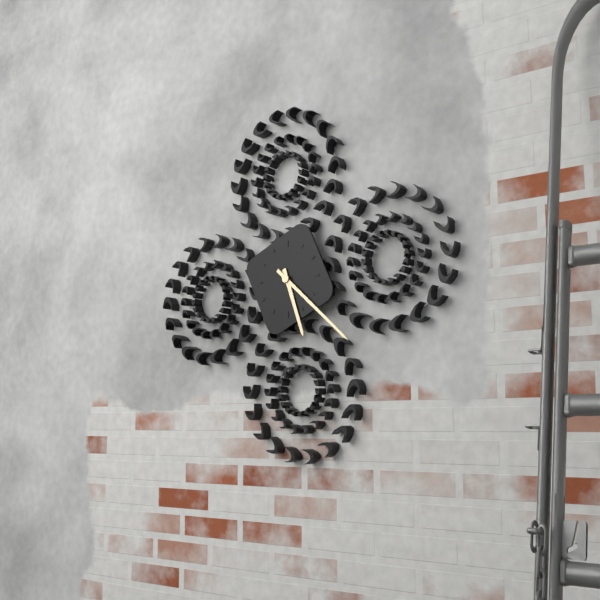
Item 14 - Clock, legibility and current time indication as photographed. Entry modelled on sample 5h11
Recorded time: 5h22
